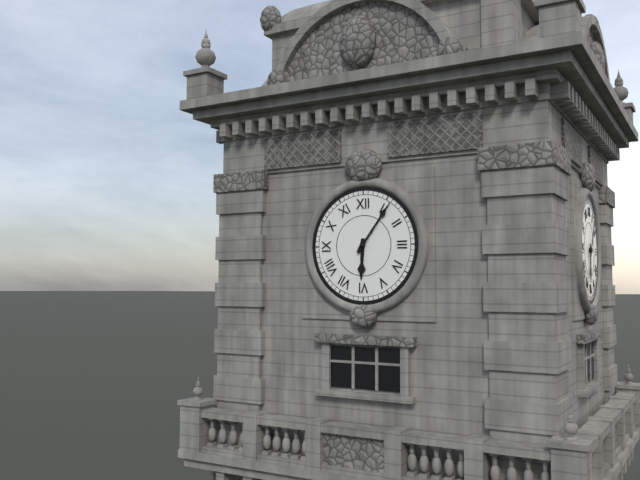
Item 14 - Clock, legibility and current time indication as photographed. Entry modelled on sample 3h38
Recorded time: 6h06
